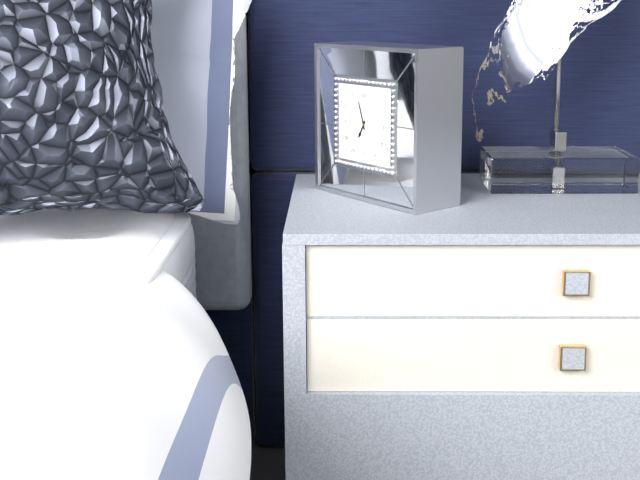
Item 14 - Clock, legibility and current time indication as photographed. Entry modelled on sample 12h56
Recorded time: 6h57
